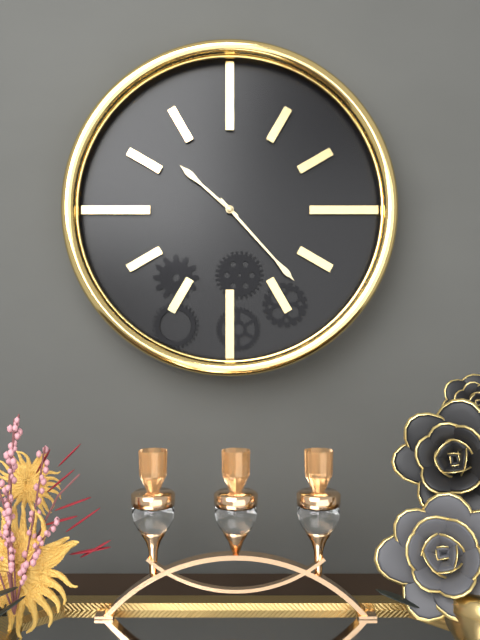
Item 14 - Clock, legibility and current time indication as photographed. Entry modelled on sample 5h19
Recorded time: 10h23
